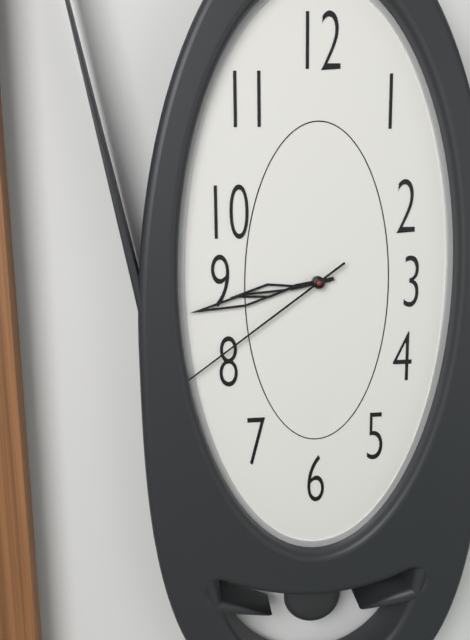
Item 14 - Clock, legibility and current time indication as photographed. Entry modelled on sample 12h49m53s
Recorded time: 8h43m39s
